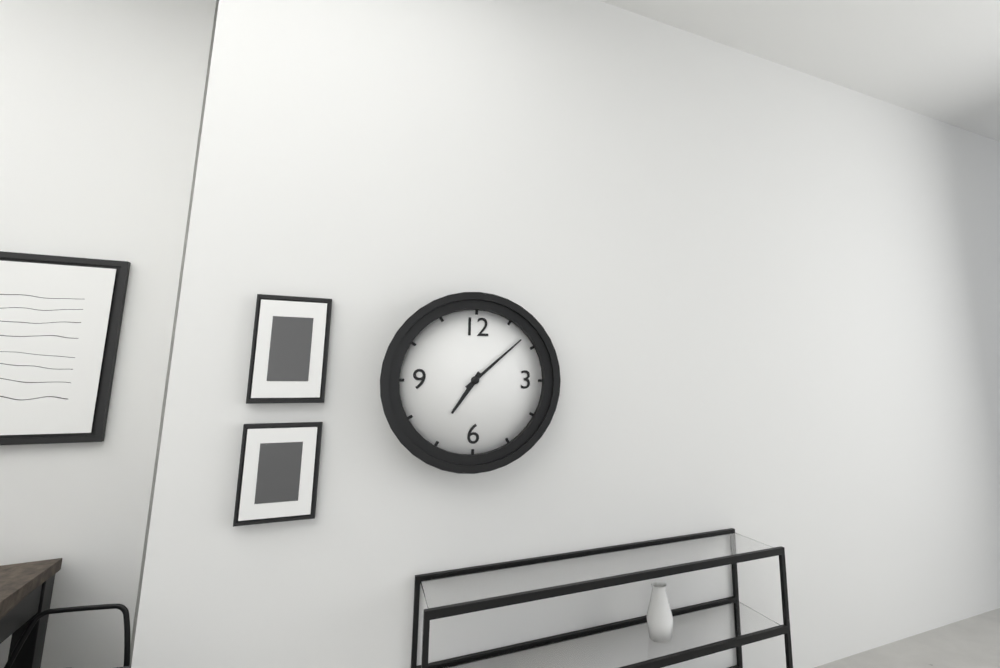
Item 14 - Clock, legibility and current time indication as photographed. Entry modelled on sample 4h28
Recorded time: 7h08
